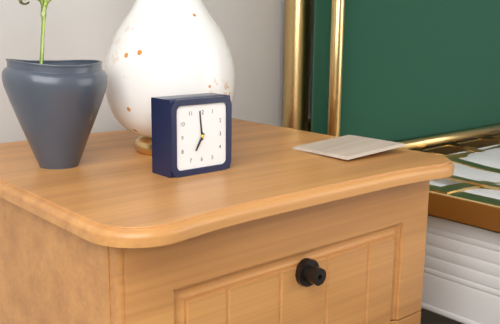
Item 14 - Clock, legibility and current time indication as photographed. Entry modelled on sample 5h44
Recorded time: 6h59
